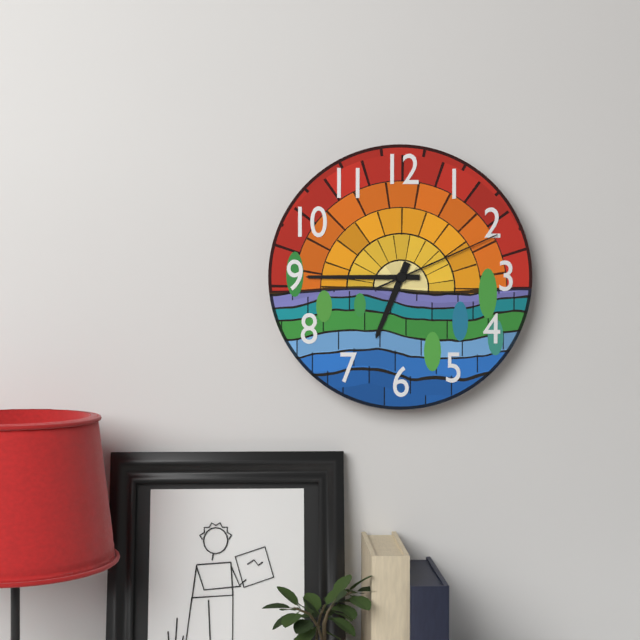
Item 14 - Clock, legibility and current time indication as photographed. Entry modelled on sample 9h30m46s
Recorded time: 6h45m11s
